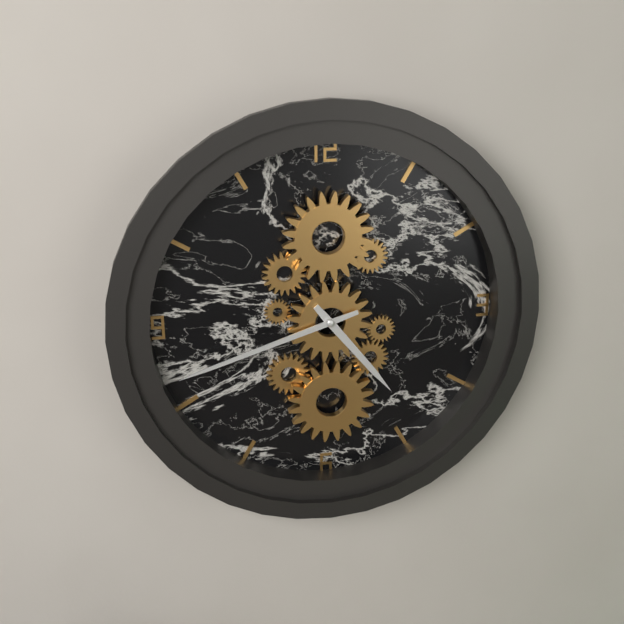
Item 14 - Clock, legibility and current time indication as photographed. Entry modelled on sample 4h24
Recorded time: 4h42
